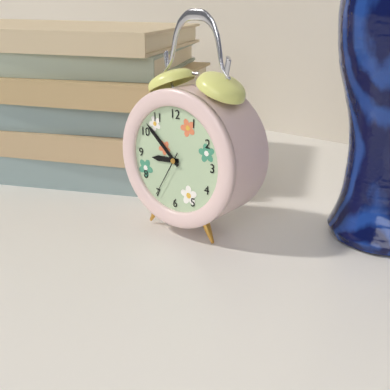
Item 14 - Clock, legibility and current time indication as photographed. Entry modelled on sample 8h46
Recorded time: 8h52
